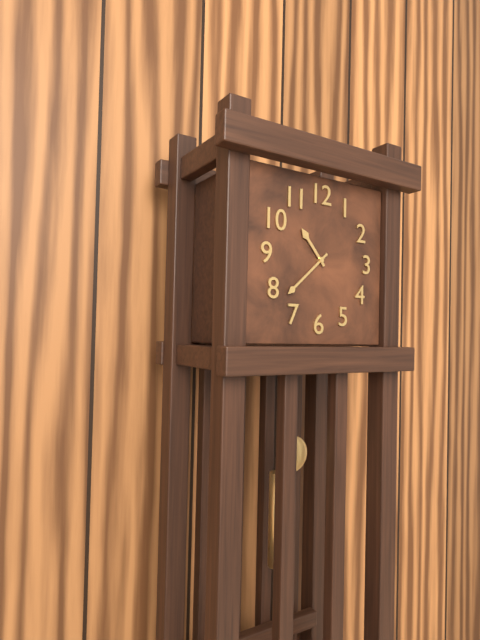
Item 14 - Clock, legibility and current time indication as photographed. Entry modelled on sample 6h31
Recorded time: 10h38
